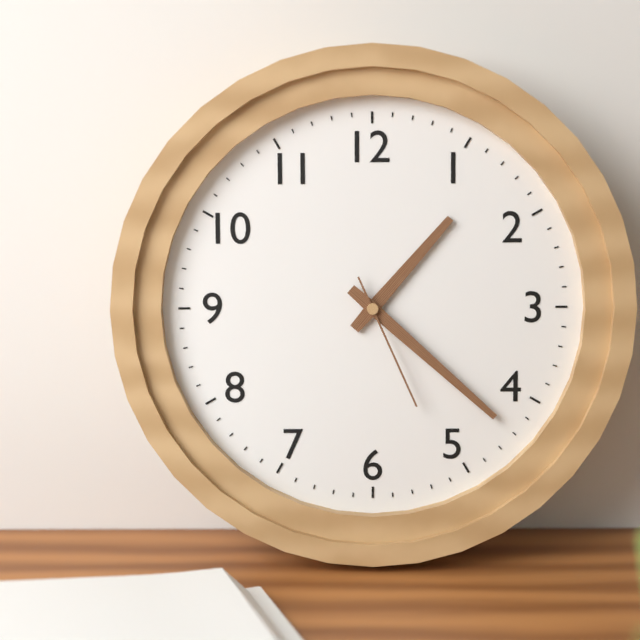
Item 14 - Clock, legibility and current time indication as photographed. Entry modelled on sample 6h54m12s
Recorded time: 1h22m26s
